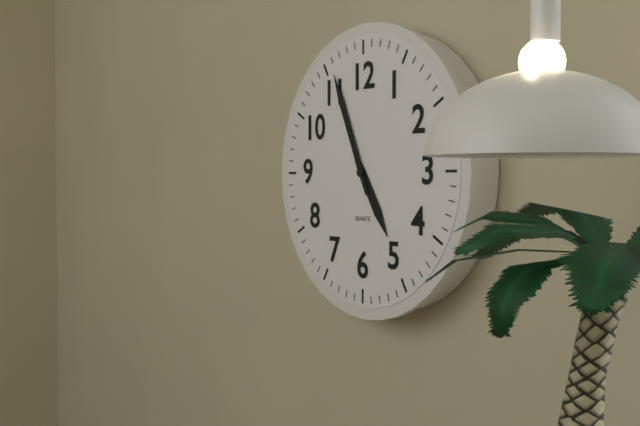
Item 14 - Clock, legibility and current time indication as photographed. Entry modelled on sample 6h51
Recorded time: 4h56
